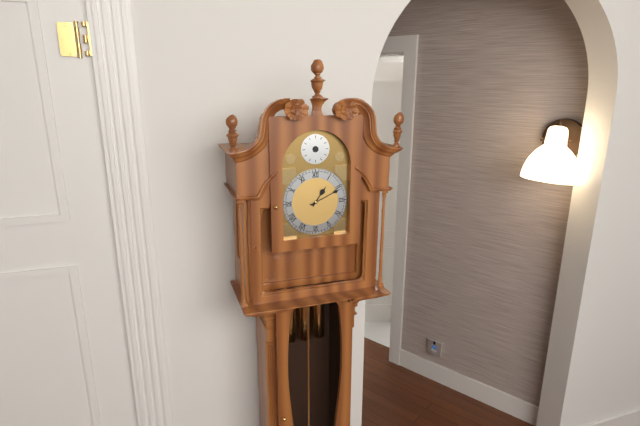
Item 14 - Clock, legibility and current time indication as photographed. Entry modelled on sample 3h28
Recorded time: 1h11
